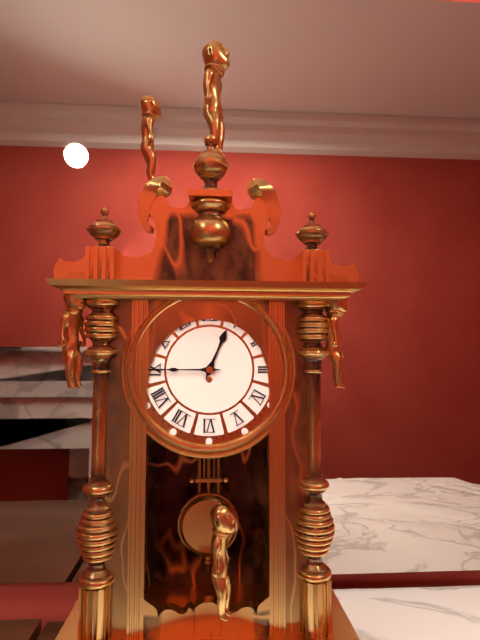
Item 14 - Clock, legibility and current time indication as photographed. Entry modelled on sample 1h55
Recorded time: 12h45
